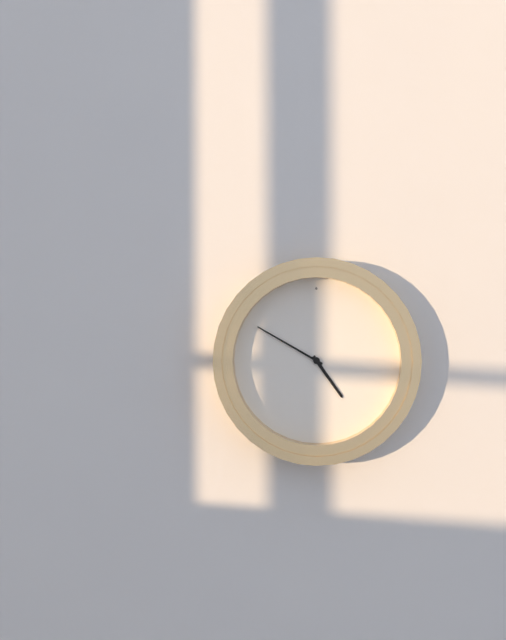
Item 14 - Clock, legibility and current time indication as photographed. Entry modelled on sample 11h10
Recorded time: 4h50
